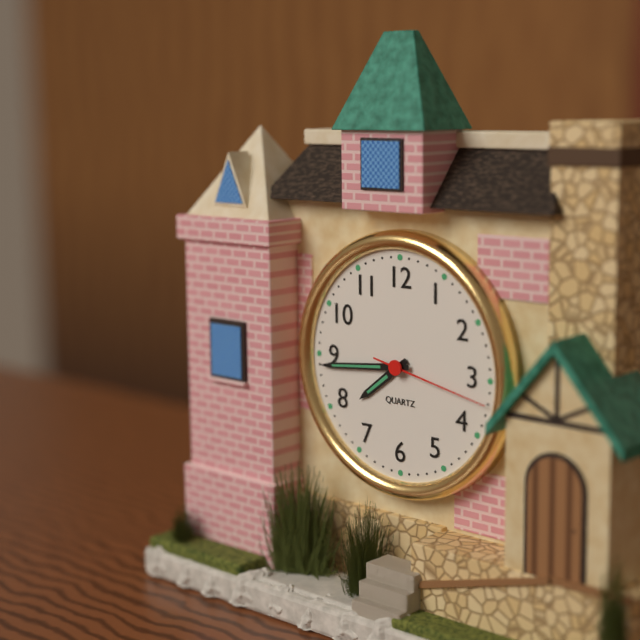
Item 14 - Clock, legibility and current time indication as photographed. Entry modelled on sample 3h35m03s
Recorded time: 7h44m17s
